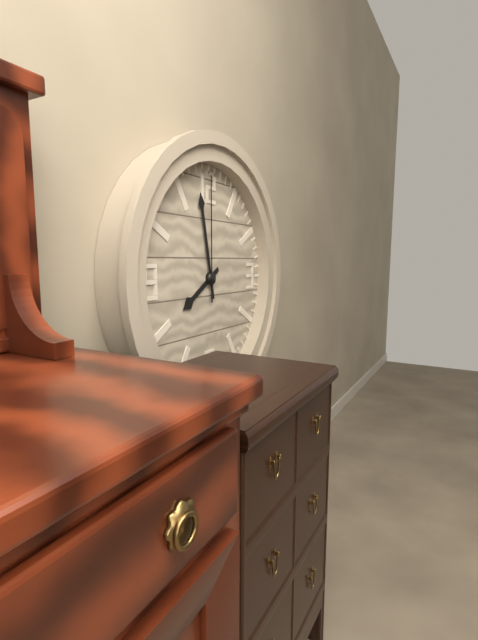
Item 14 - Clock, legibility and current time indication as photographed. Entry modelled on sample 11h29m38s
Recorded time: 7h58m00s
